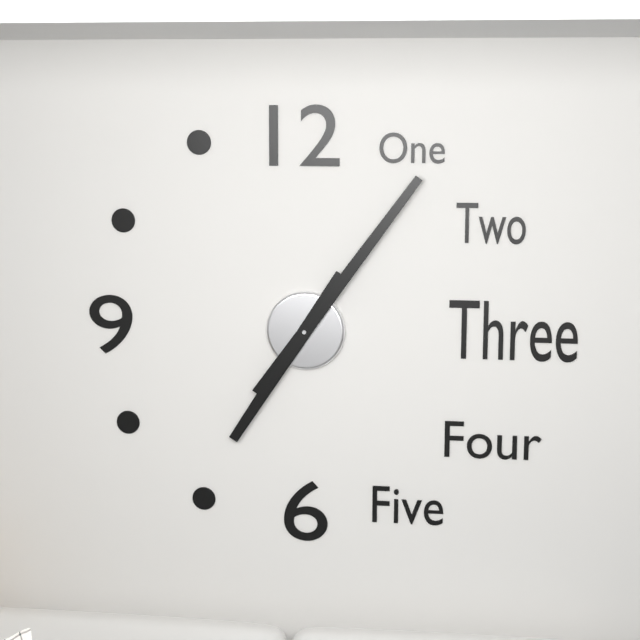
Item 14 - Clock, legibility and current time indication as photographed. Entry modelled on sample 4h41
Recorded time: 7h06
